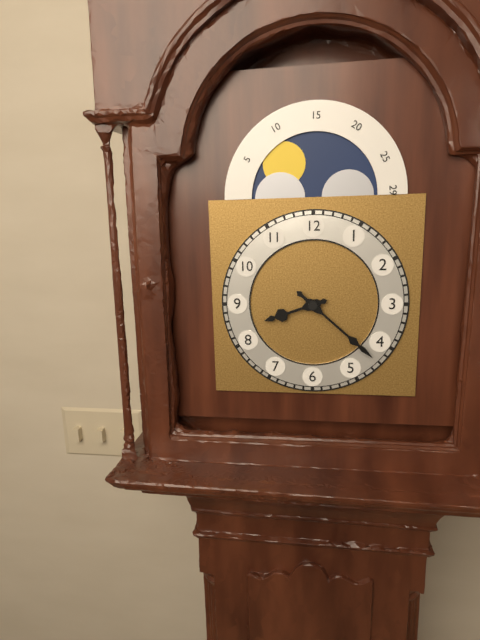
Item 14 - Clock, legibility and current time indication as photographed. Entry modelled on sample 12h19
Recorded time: 8h22
